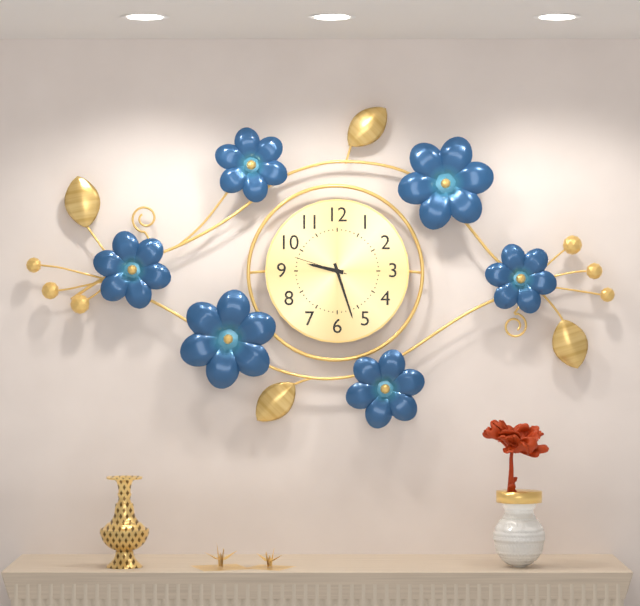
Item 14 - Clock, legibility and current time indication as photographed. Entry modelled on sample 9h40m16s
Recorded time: 9h27m48s
